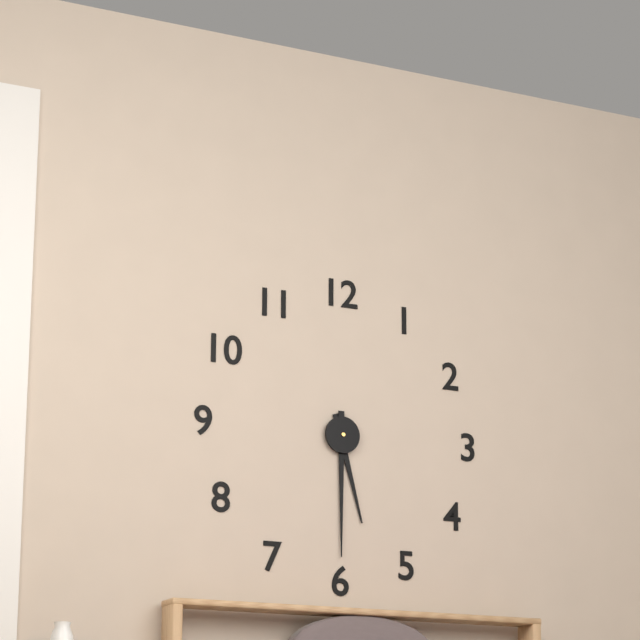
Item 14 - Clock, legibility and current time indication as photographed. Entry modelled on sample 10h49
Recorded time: 5h30
